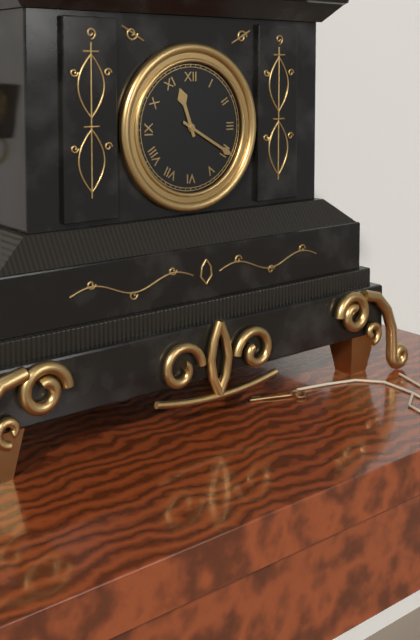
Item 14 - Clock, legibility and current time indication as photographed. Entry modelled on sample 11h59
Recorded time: 11h20
